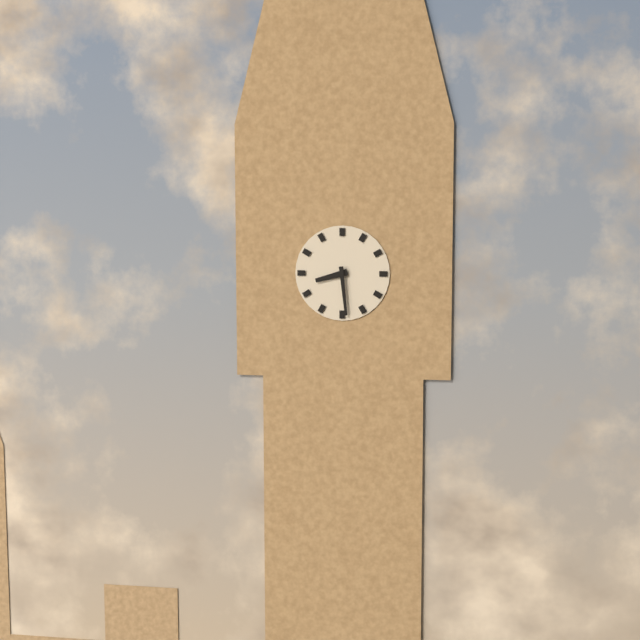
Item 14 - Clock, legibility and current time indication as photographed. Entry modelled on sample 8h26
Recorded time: 8h29
